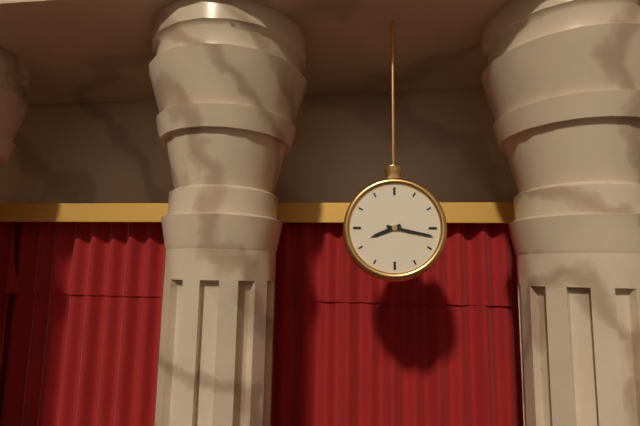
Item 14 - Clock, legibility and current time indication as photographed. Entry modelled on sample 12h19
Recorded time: 8h17
